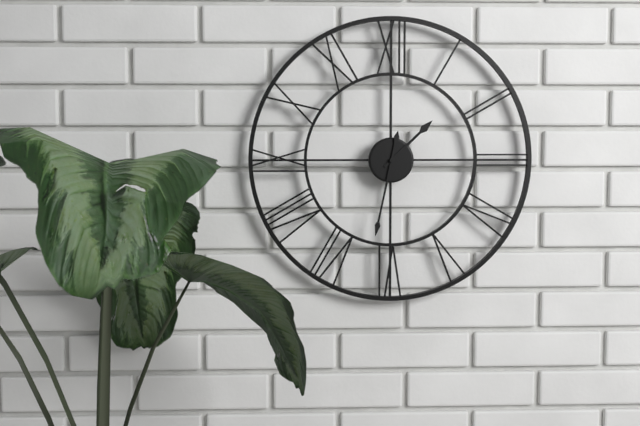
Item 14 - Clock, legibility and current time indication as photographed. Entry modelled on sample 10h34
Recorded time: 1h32
